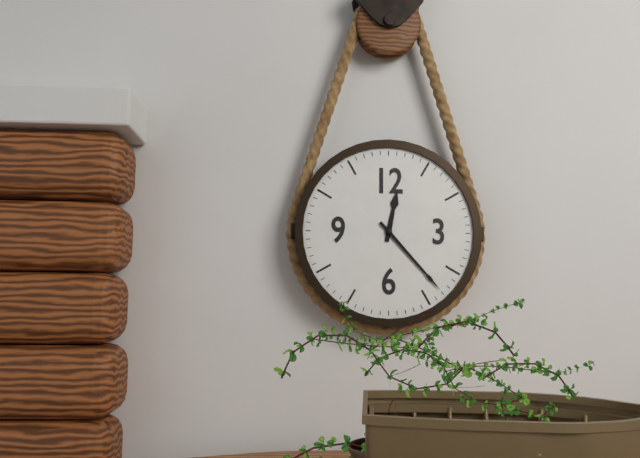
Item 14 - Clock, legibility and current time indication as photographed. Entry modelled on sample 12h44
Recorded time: 12h23
